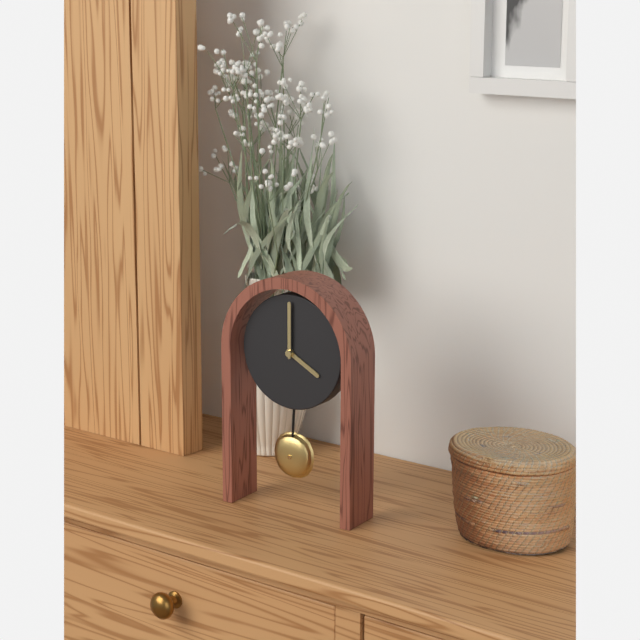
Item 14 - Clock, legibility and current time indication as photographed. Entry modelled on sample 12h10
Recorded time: 4h00
